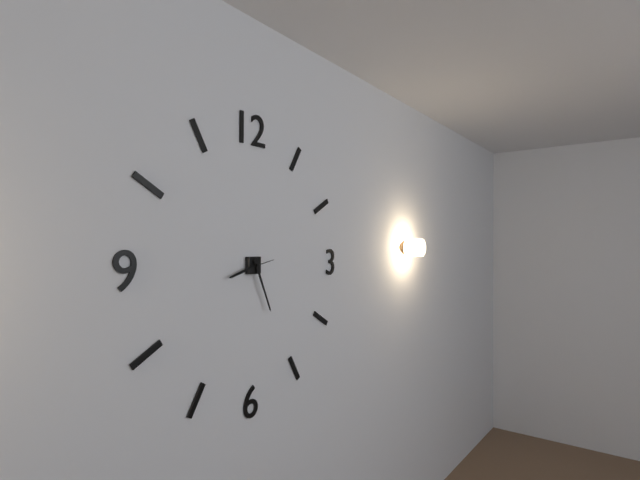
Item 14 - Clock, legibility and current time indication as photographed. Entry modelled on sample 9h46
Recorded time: 8h26
